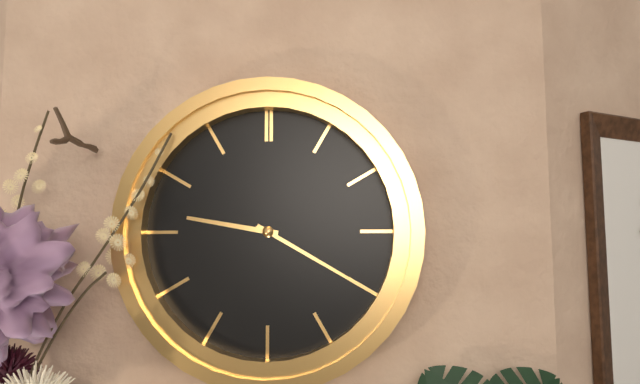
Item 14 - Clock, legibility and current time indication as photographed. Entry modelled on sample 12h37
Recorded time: 9h20
